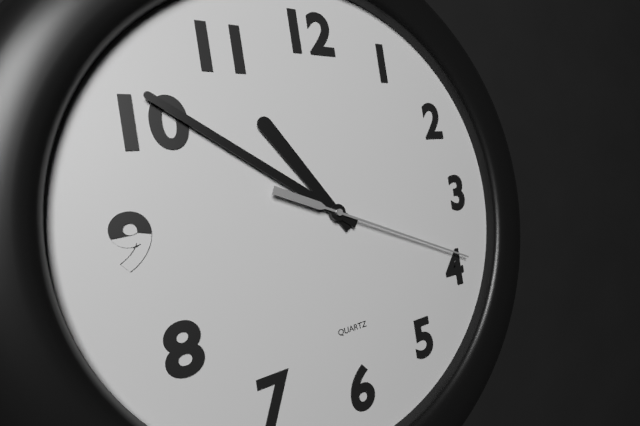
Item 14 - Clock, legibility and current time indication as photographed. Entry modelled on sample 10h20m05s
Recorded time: 10h51m19s
